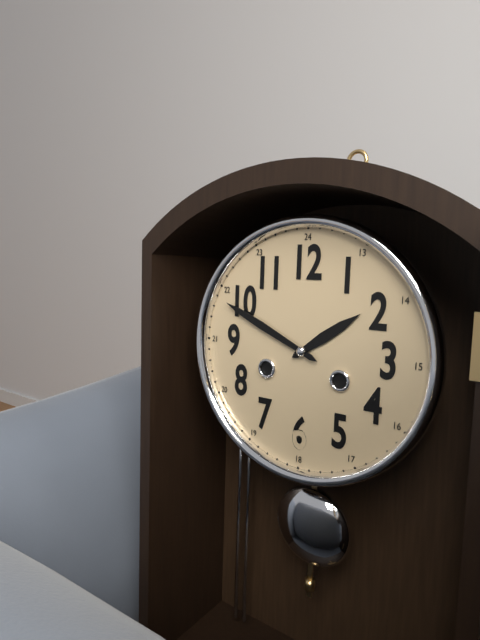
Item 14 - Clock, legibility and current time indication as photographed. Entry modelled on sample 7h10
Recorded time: 1h49
